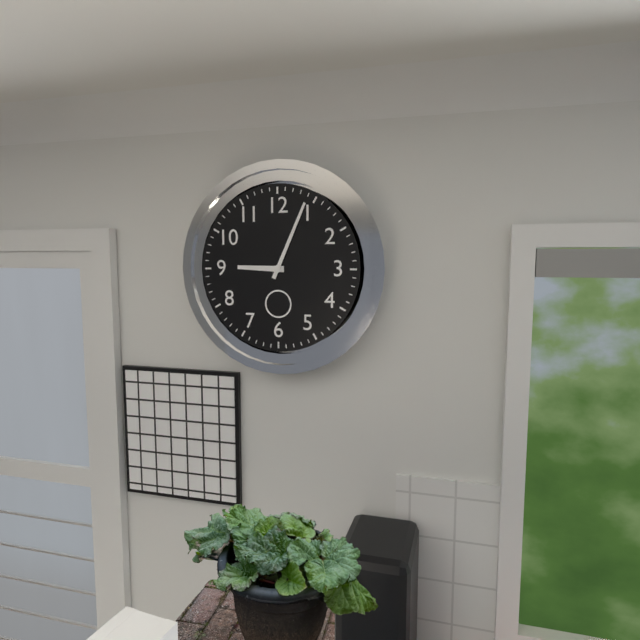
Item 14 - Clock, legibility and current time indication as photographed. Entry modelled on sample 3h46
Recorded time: 9h04
